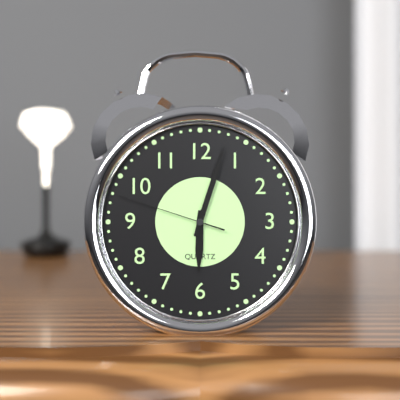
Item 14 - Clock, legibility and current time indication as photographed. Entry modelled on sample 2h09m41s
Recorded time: 6h03m48s
